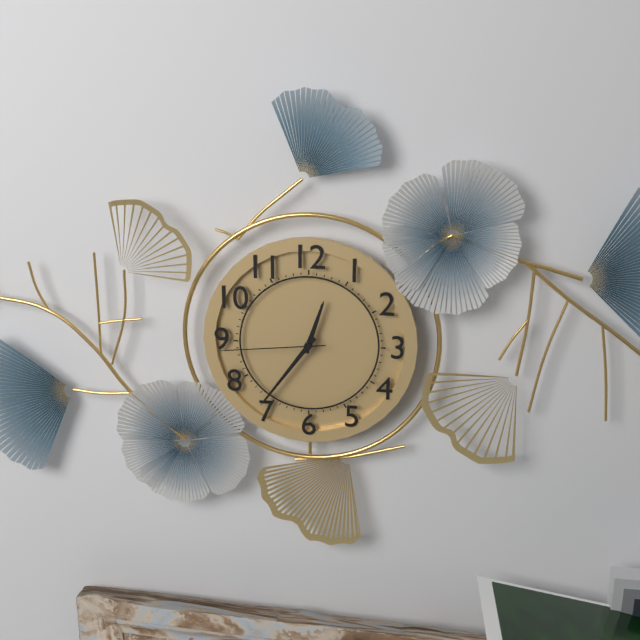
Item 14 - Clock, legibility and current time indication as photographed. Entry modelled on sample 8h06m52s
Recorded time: 12h36m44s
